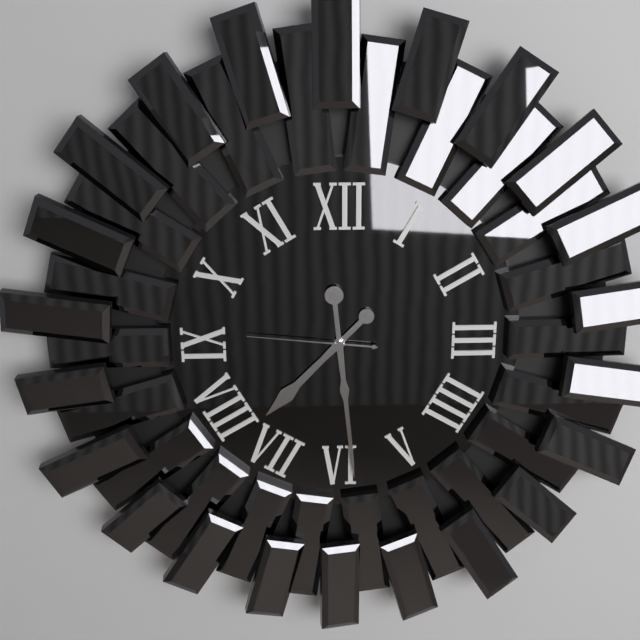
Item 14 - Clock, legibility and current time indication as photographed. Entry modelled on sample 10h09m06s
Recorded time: 7h29m46s
